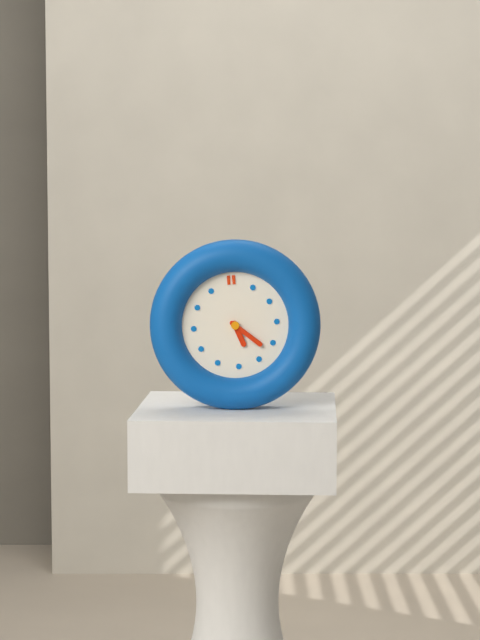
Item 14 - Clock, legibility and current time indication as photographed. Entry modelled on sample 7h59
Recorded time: 5h22
